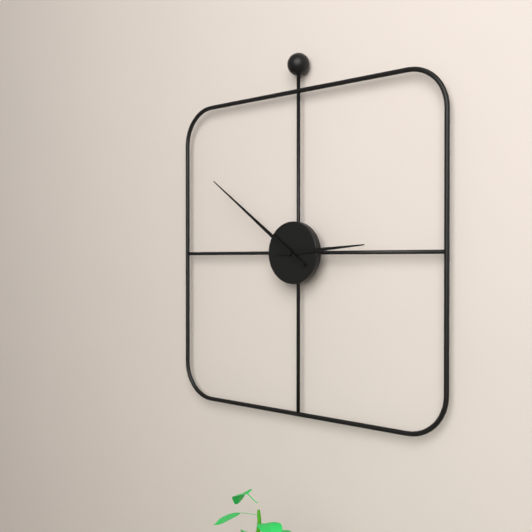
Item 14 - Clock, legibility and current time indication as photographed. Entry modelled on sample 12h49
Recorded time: 2h51
